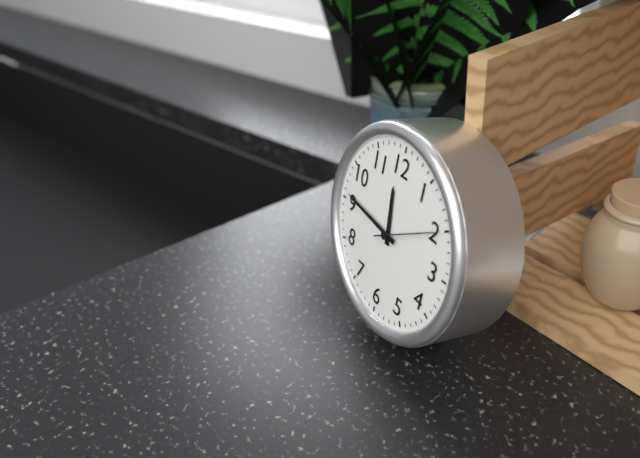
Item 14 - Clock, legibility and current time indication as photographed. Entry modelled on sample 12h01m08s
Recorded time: 11h46m10s
